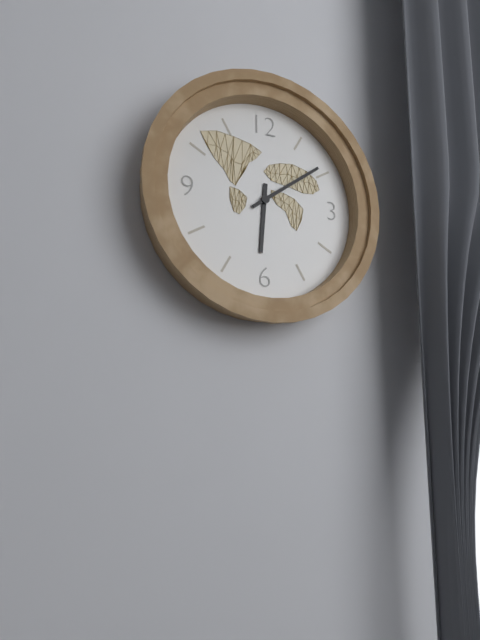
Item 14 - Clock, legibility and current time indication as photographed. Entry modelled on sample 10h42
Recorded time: 6h09
